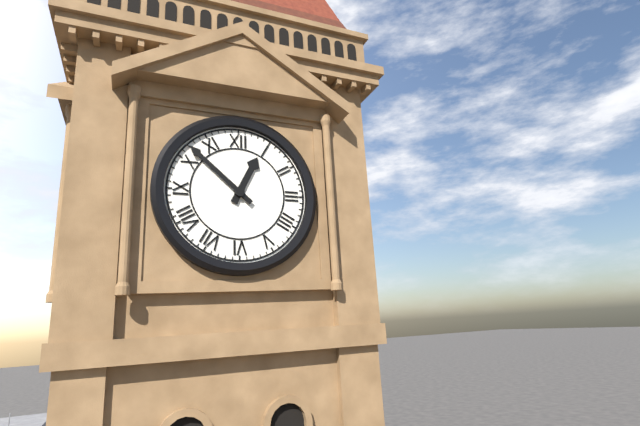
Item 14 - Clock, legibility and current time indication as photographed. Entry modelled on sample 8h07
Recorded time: 12h52
